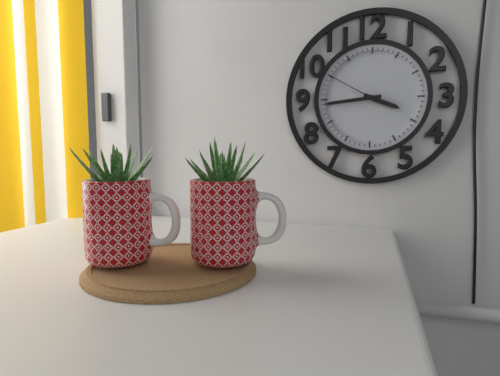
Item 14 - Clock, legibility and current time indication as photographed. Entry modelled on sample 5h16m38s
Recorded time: 3h44m50s
